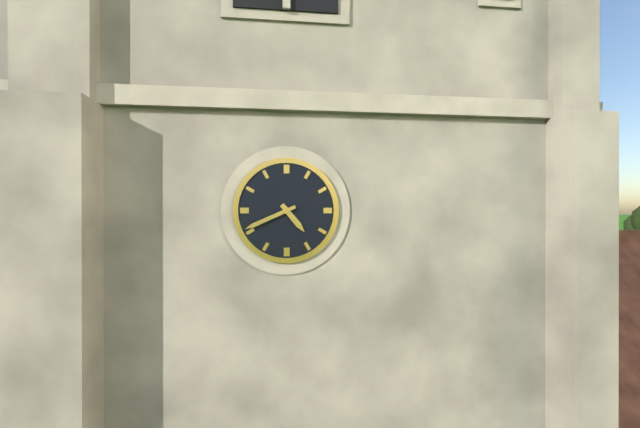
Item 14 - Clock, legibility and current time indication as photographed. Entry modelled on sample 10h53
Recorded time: 4h41
